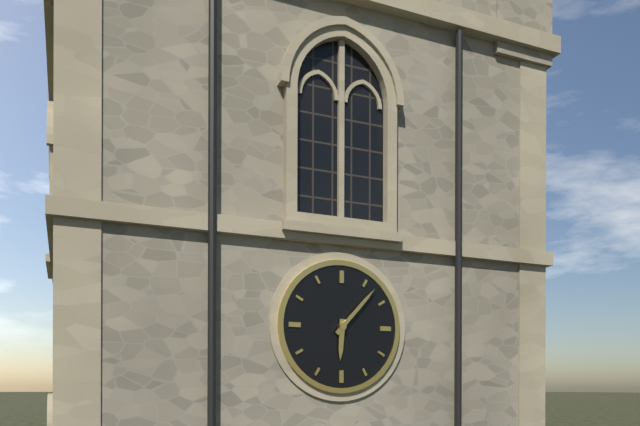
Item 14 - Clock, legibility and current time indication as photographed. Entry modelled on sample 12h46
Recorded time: 6h07
